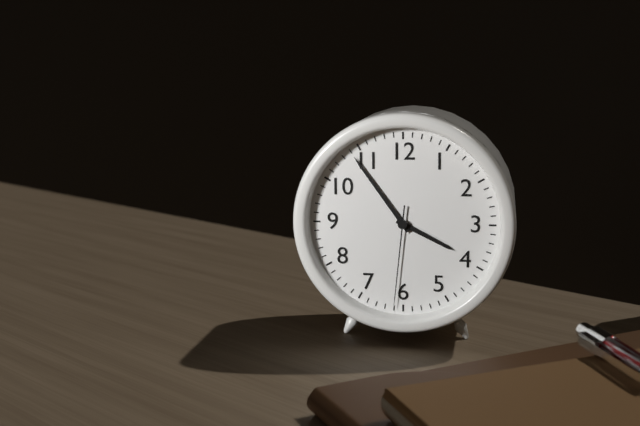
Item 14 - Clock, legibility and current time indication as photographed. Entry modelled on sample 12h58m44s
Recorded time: 3h54m31s
